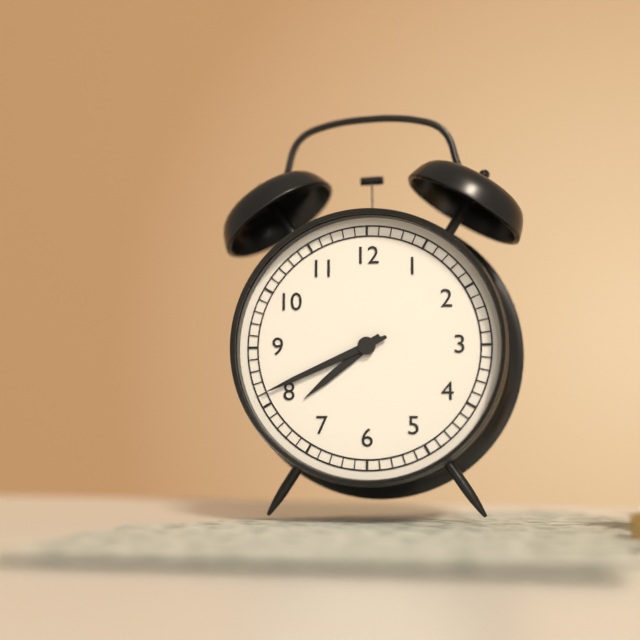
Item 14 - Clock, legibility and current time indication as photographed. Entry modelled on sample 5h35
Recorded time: 7h41
